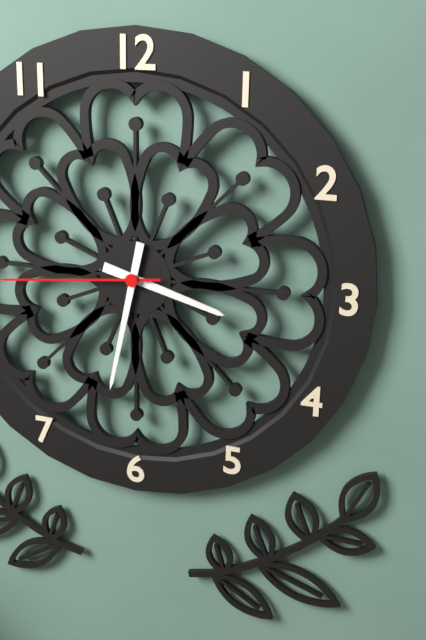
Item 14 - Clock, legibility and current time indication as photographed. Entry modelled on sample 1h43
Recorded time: 3h32
